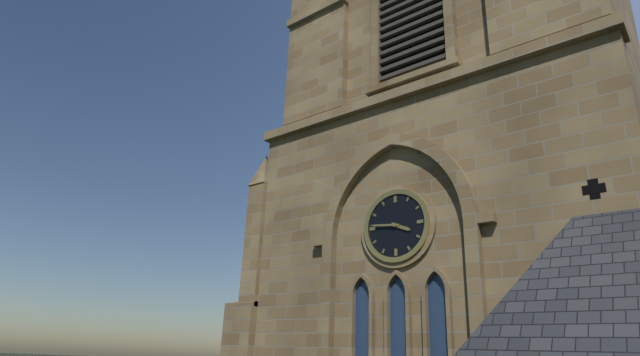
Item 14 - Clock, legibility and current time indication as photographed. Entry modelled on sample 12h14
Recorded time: 3h46
